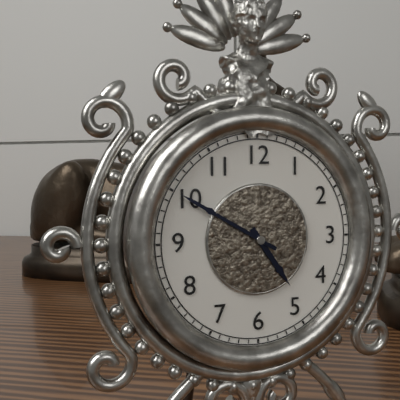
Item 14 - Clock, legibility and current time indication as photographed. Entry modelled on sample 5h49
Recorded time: 4h50
